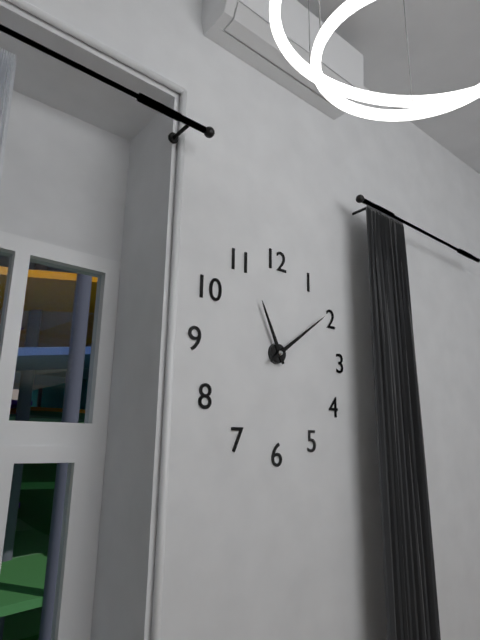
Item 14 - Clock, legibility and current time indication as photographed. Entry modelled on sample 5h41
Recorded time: 11h09
